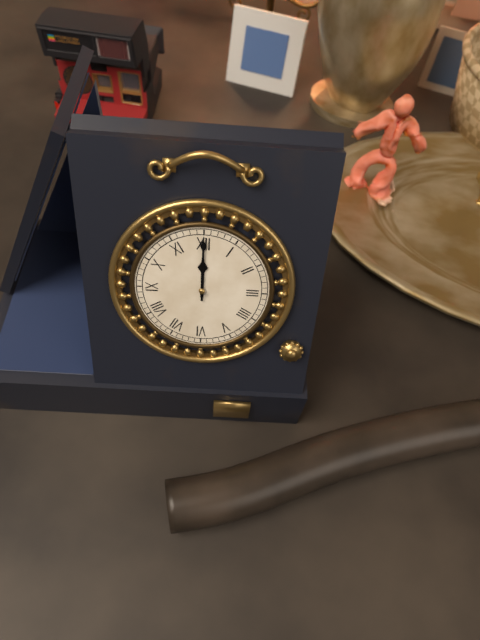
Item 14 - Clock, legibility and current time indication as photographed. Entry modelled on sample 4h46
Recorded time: 12h00
